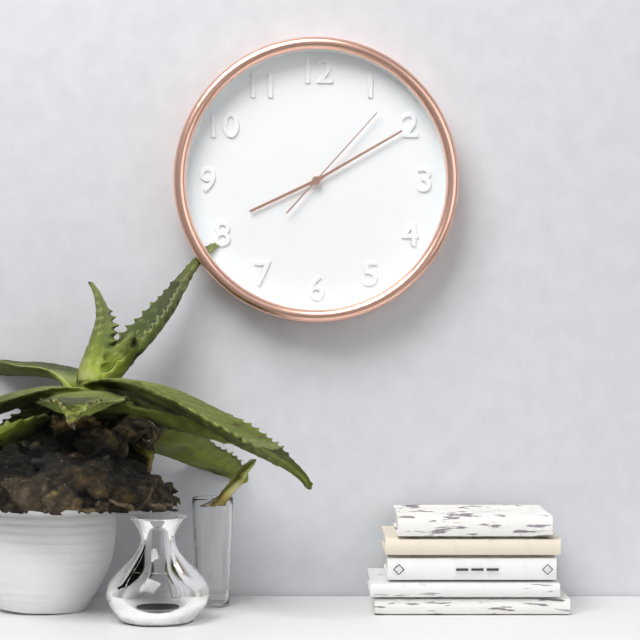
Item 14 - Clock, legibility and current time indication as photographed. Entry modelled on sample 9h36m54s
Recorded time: 8h10m07s
